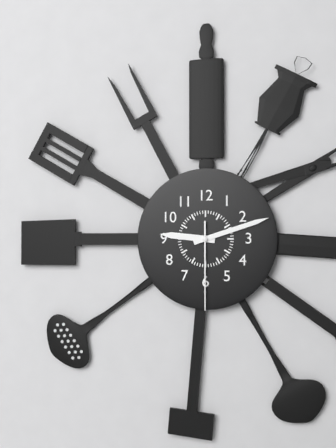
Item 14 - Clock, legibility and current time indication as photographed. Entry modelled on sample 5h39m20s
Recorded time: 9h12m30s
